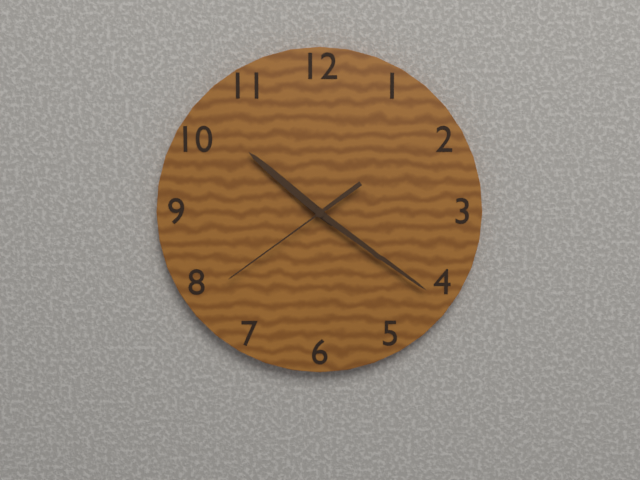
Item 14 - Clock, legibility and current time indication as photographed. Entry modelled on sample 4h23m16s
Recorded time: 10h21m39s
